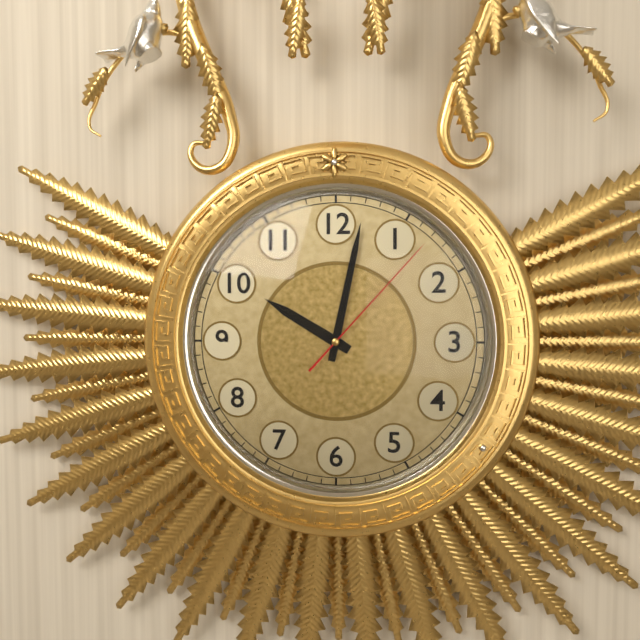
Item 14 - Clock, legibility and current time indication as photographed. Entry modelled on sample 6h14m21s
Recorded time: 10h02m07s
